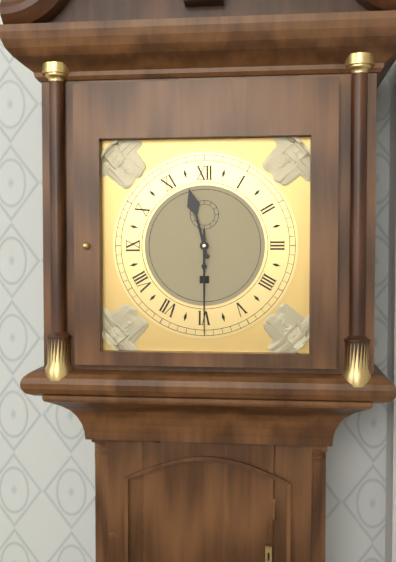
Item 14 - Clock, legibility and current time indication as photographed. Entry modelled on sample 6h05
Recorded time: 11h30
